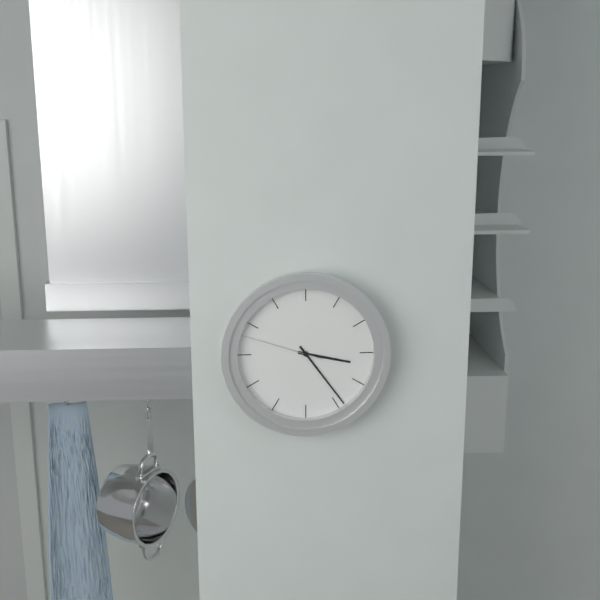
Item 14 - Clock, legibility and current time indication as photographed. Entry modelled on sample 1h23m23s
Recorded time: 3h24m48s
